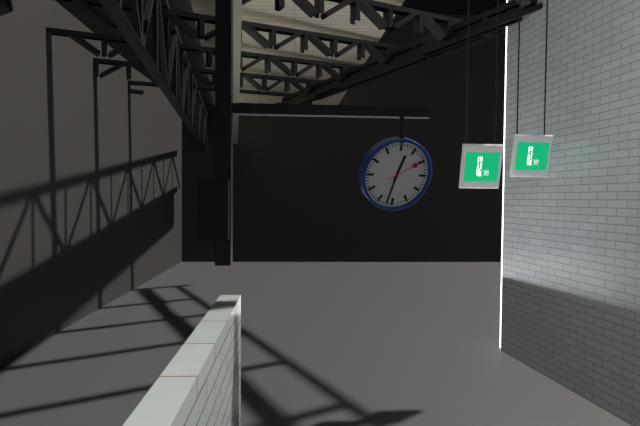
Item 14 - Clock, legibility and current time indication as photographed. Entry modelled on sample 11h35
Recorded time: 12h32
